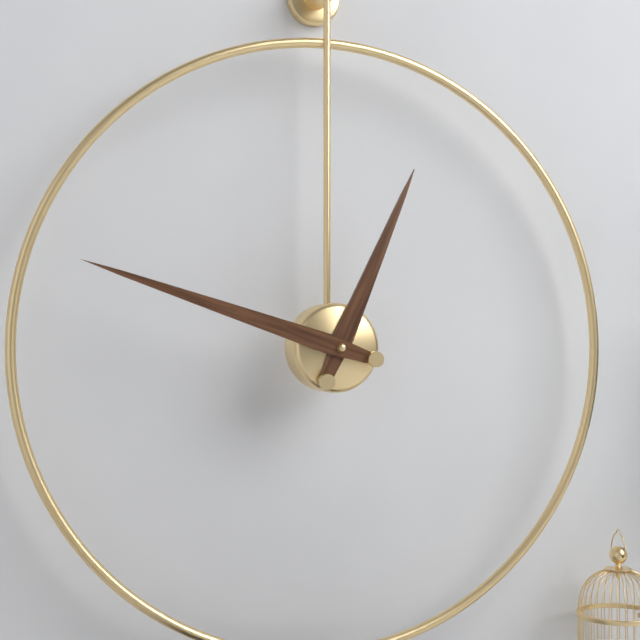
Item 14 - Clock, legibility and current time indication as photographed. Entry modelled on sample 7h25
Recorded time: 12h48
